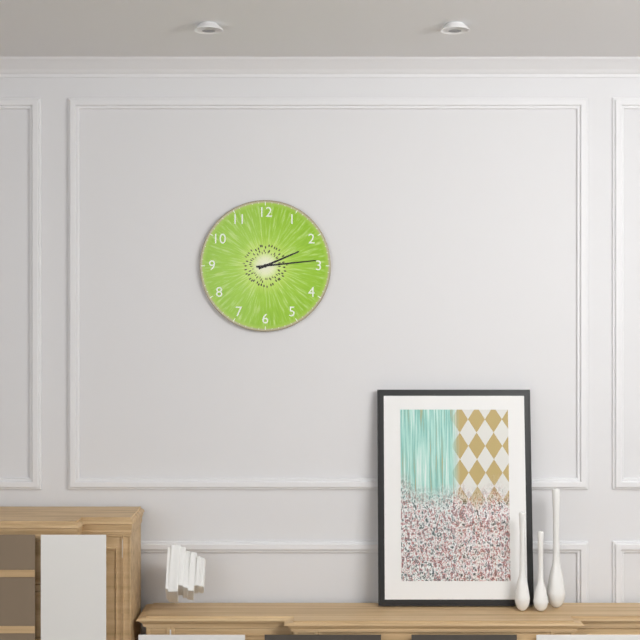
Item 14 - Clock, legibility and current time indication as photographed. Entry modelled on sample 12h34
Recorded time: 2h14
